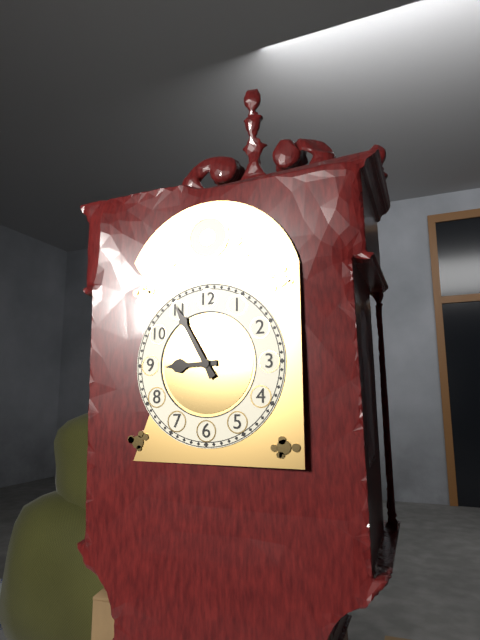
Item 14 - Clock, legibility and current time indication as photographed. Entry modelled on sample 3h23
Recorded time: 8h55
